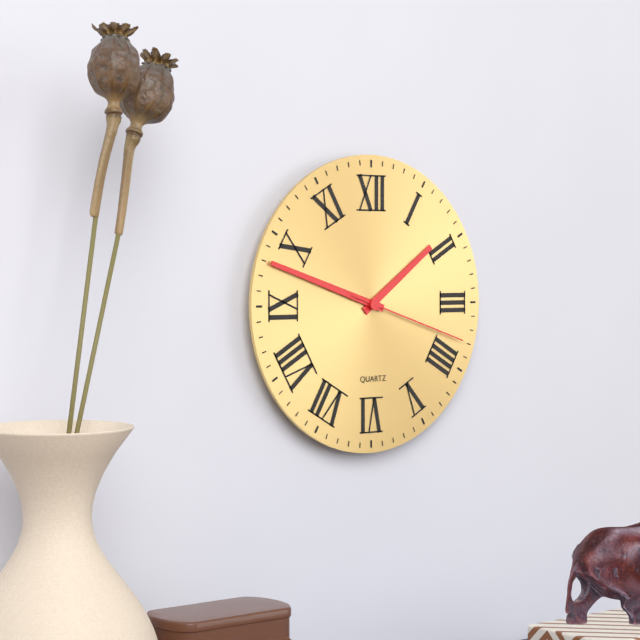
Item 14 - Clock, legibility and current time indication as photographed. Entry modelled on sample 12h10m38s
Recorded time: 1h48m18s
